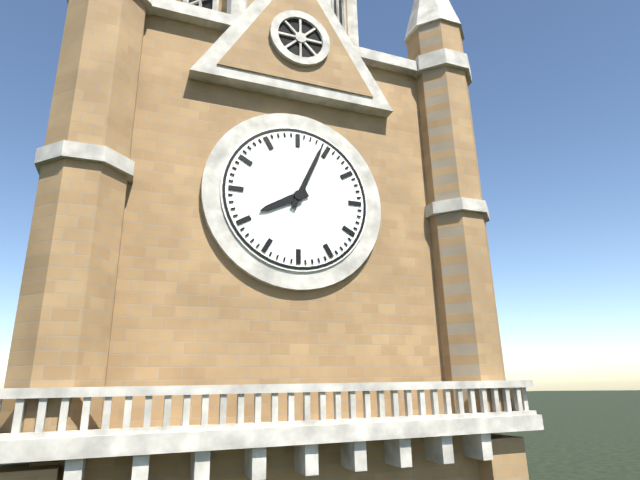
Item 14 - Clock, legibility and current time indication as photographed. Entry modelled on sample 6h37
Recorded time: 8h04
